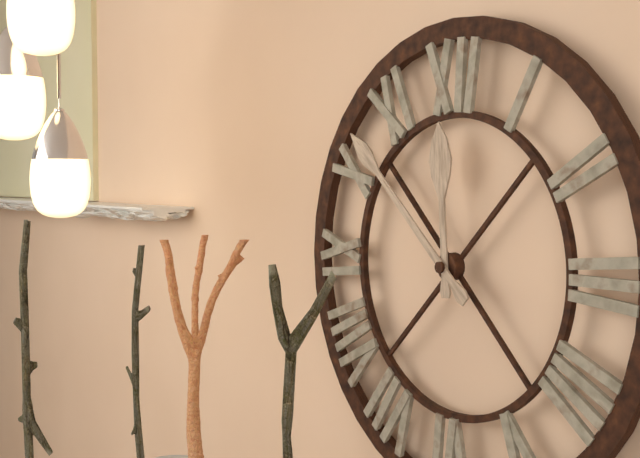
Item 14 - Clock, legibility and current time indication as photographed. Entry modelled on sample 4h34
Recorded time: 11h52
